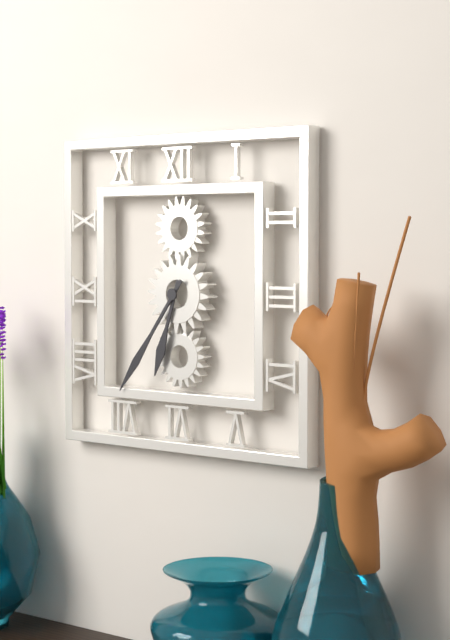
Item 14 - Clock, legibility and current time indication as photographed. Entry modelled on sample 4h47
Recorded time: 6h36
